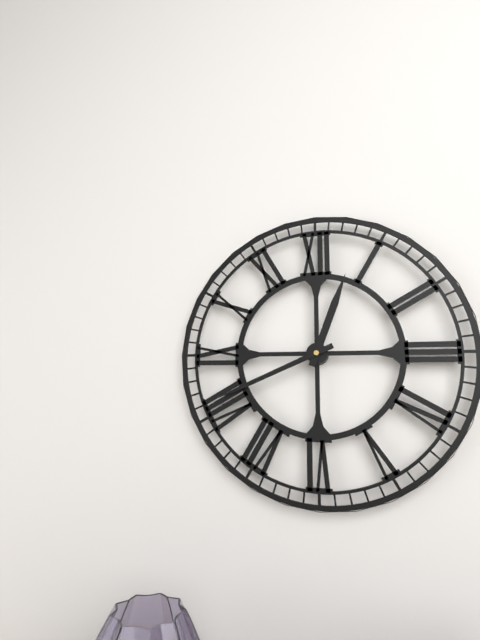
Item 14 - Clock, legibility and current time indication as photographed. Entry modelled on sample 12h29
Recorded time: 12h41
